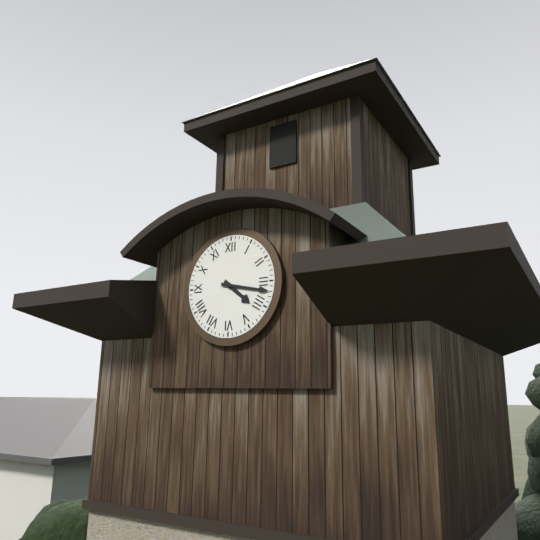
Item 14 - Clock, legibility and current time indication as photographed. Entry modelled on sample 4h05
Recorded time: 4h17
